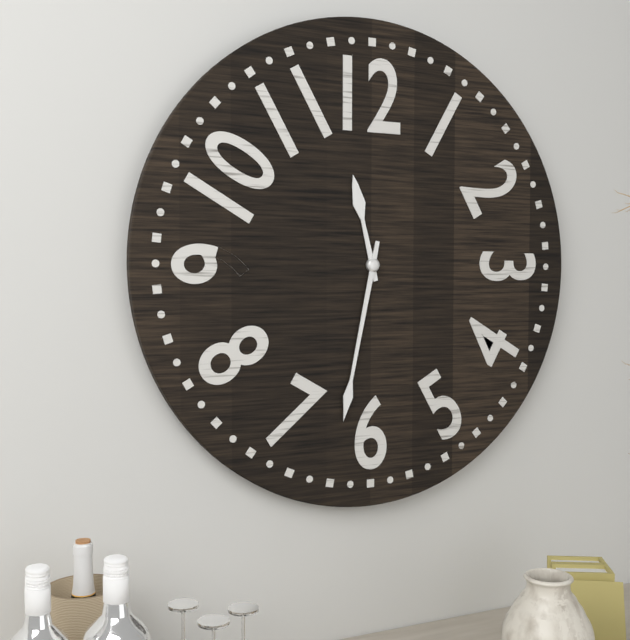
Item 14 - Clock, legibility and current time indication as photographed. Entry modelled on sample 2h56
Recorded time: 11h32
